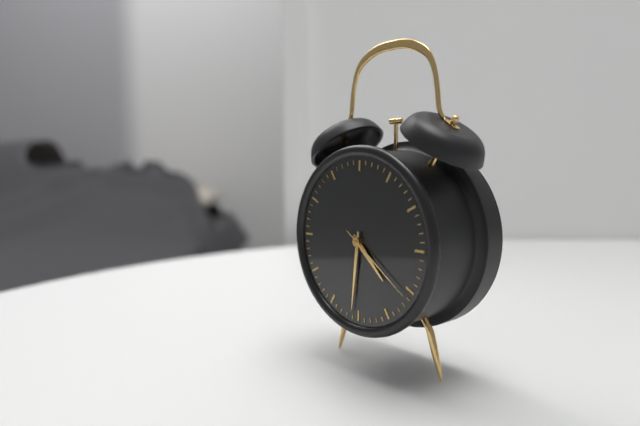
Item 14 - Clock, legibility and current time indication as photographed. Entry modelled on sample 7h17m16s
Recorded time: 4h31m21s
